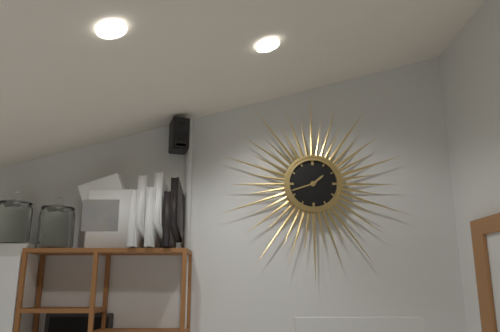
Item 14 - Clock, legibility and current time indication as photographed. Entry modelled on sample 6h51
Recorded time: 1h42
